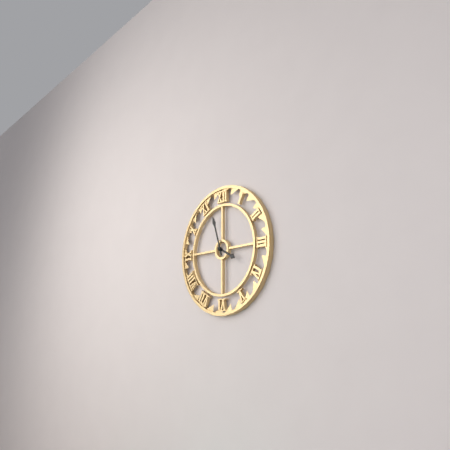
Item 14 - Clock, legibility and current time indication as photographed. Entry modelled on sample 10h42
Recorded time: 3h57
